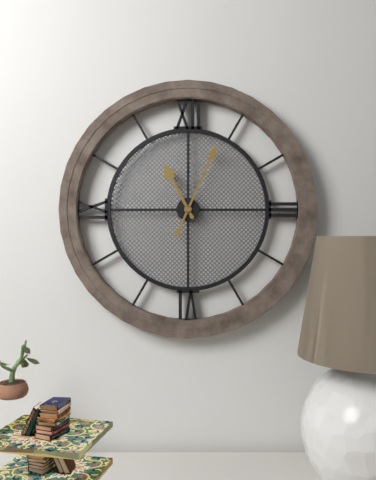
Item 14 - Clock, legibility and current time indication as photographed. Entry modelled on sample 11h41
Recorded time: 11h04
